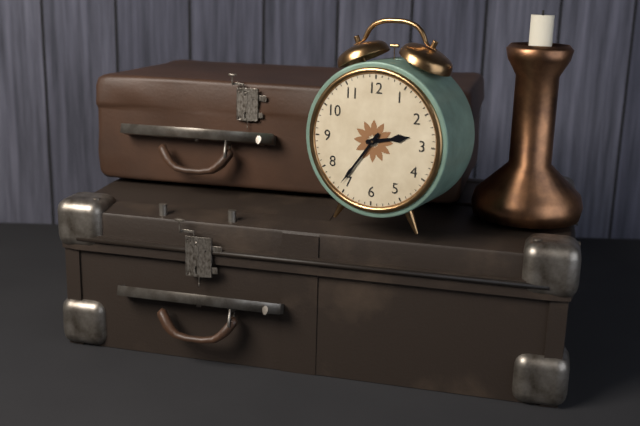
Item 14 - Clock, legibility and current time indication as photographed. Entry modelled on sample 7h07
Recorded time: 2h36
